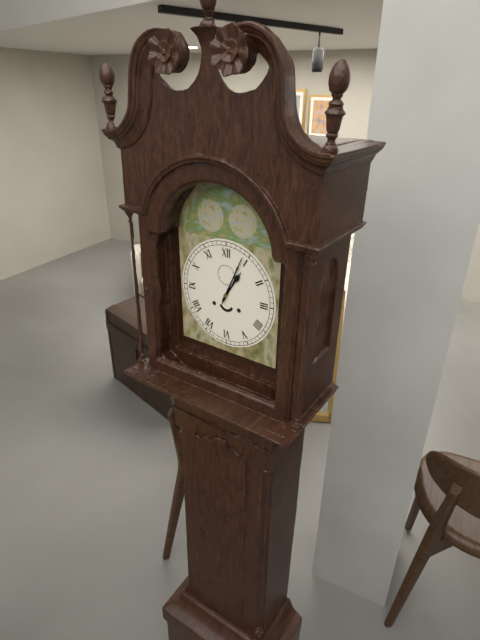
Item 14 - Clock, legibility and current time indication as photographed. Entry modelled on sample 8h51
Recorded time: 1h04
